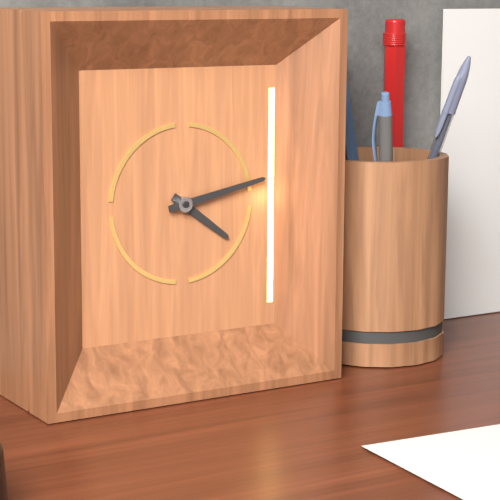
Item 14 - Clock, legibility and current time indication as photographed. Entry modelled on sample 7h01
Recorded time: 4h13
